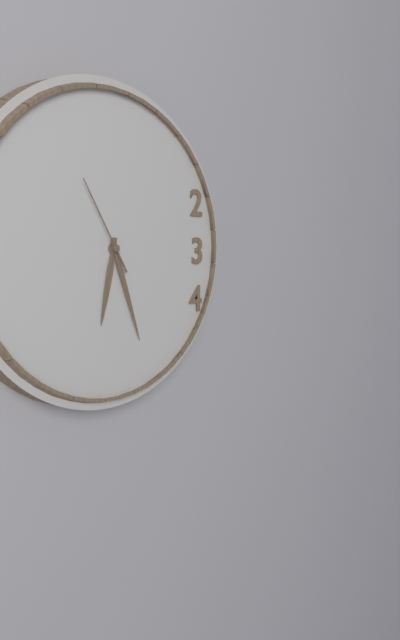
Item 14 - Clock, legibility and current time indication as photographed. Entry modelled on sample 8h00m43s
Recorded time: 6h27m55s
